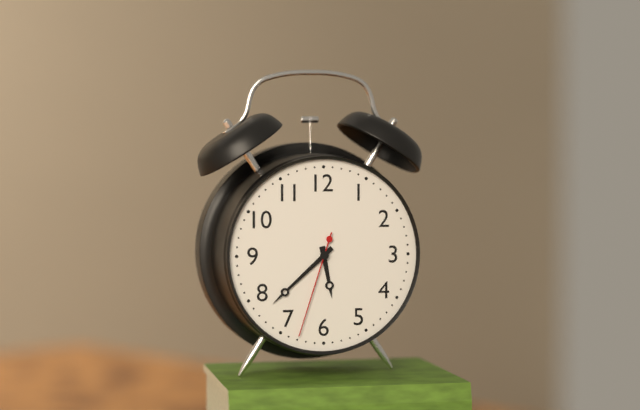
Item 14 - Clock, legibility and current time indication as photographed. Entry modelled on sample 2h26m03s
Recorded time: 5h38m33s
